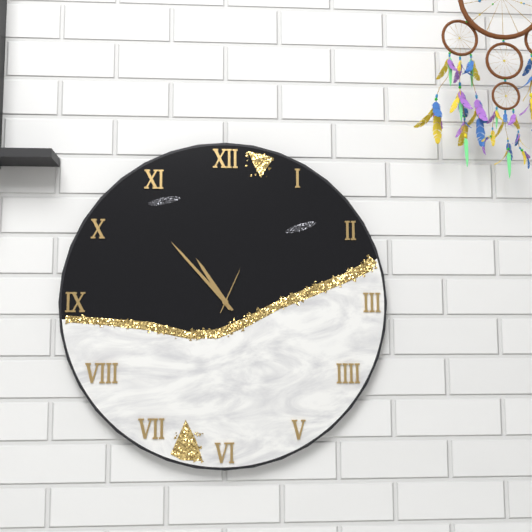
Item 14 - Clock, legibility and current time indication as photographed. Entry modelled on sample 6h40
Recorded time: 10h53
